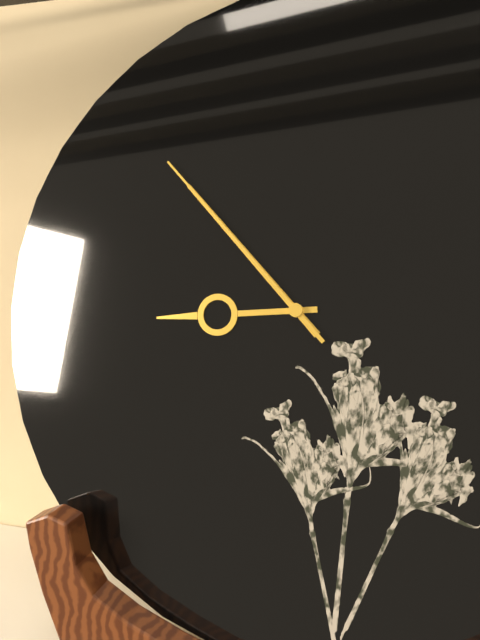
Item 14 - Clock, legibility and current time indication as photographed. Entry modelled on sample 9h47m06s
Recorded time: 8h53m53s
